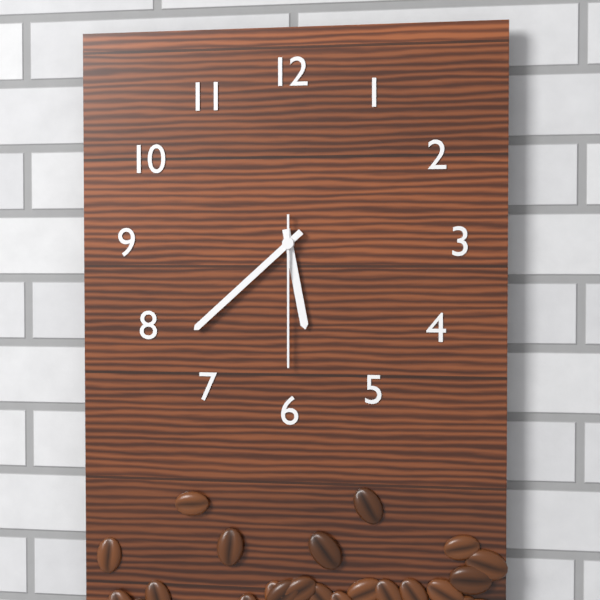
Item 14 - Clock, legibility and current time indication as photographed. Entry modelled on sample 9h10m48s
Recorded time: 5h38m30s
